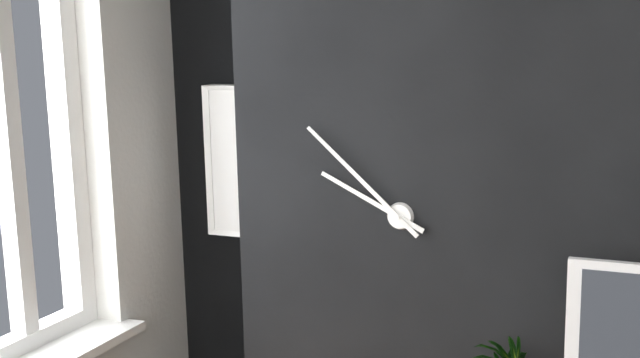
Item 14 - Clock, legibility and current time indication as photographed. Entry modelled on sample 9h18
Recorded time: 9h52
